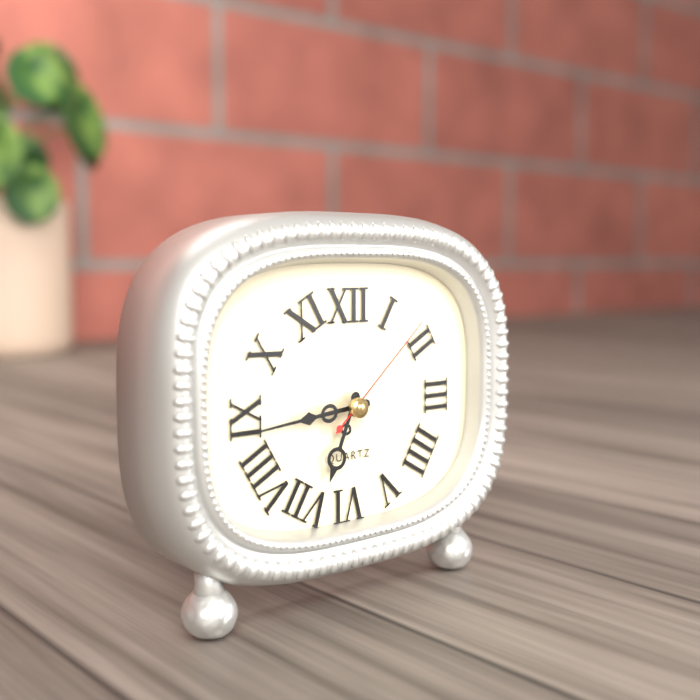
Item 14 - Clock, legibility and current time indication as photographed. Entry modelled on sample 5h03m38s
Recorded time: 6h44m08s
